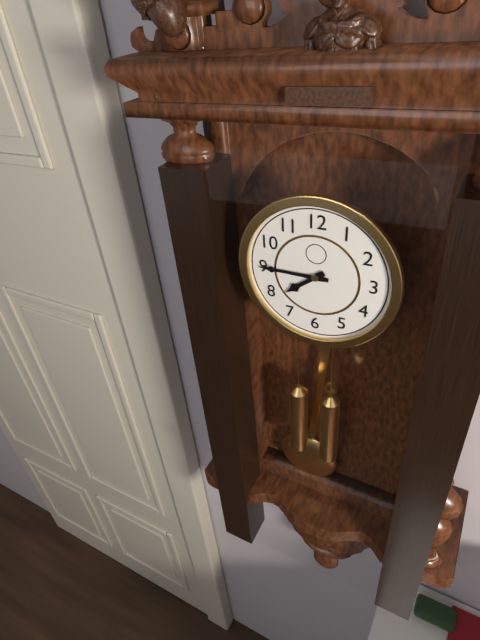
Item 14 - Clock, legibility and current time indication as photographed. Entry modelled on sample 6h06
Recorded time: 7h45
